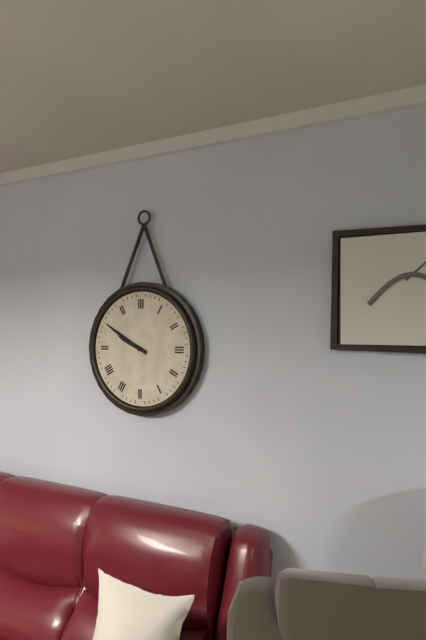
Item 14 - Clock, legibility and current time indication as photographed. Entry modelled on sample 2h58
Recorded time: 9h50
